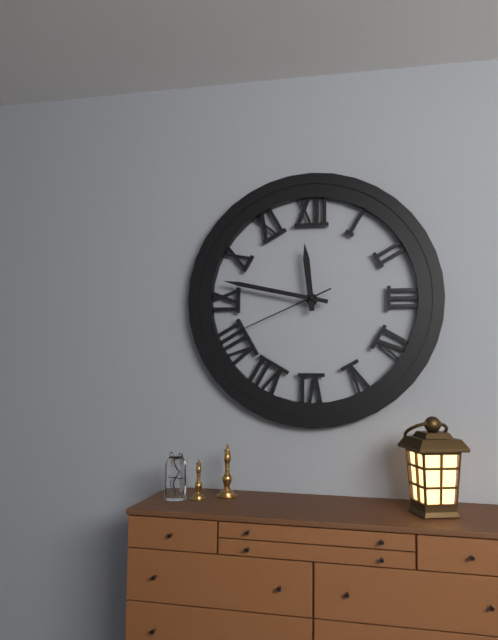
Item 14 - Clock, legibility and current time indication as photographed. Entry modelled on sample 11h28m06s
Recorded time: 11h47m41s
